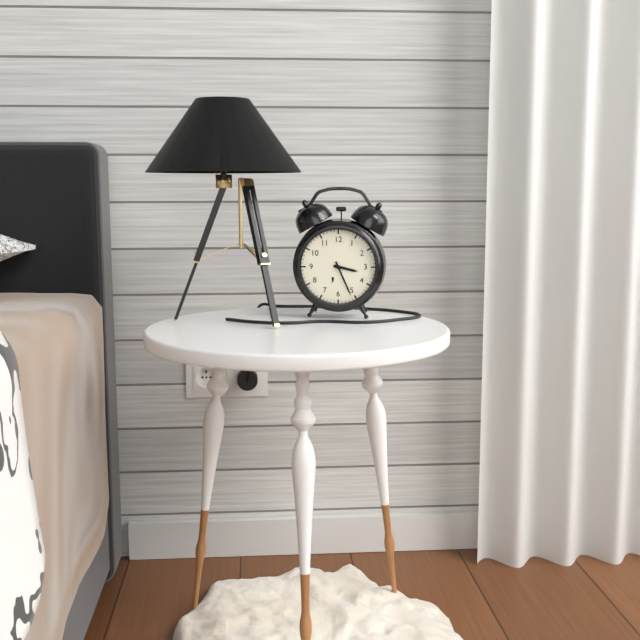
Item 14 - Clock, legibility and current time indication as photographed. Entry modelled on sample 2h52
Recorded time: 3h26
